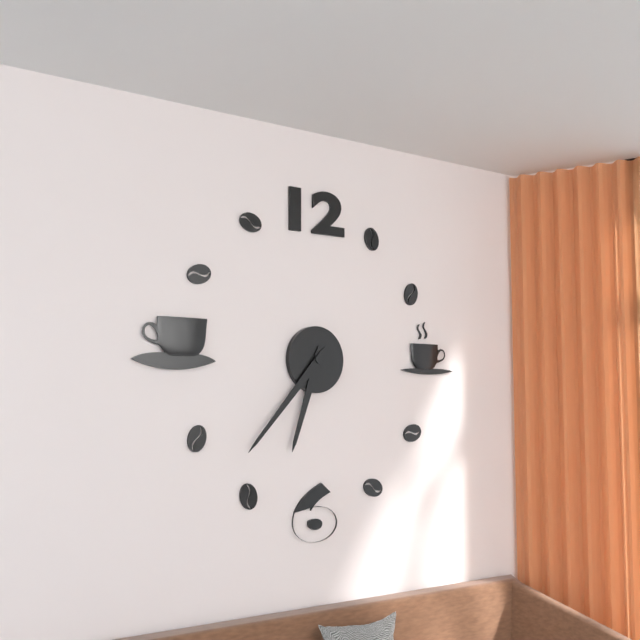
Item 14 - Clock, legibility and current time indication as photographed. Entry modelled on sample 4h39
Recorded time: 6h37
